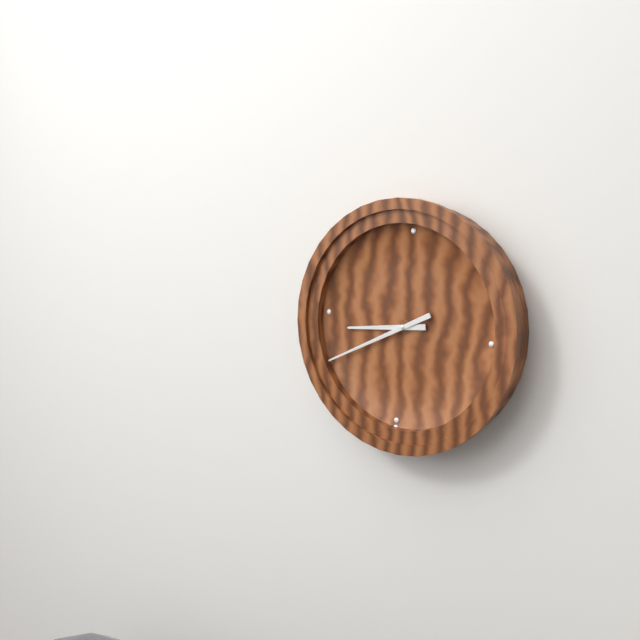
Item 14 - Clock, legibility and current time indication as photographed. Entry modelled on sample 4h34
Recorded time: 8h40
